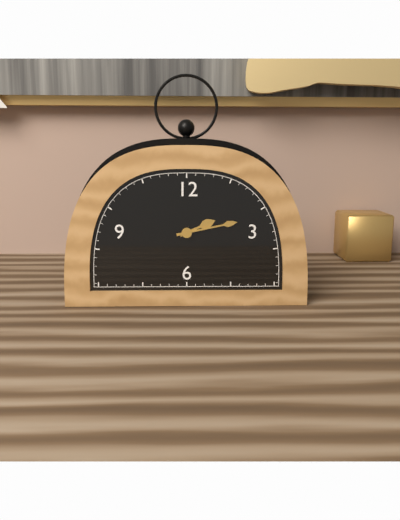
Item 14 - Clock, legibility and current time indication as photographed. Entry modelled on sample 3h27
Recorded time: 2h13
